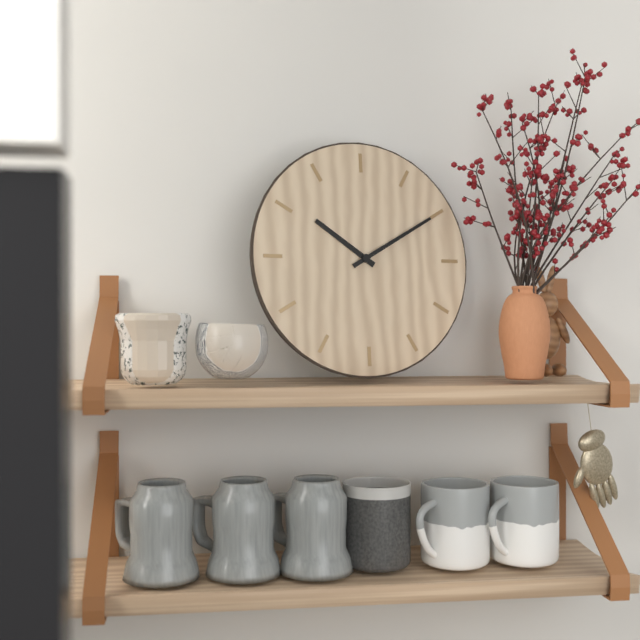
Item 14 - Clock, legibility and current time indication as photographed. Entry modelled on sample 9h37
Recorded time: 10h10
